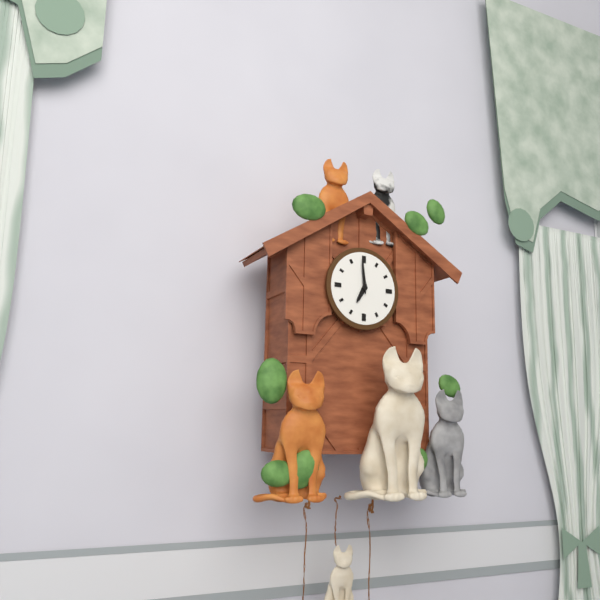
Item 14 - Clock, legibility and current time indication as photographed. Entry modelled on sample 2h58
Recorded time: 6h59
